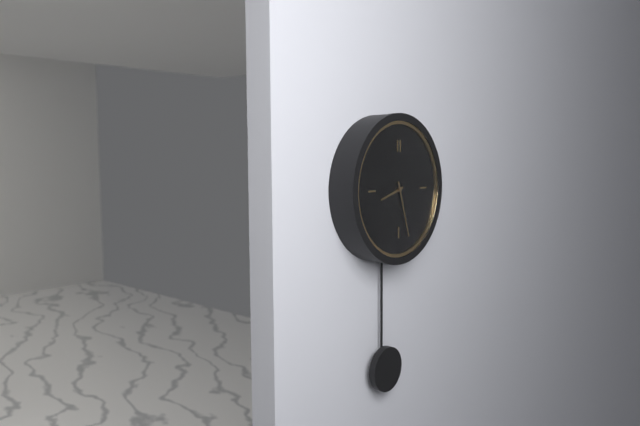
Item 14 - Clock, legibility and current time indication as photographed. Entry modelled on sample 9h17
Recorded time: 8h27
